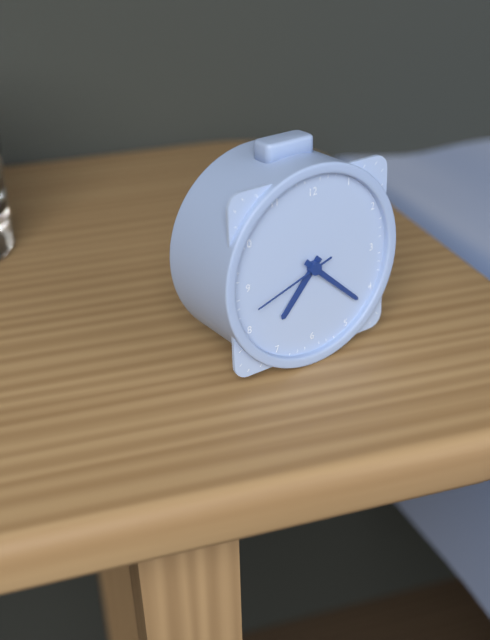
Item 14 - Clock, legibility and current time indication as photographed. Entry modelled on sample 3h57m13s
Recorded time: 7h22m42s
